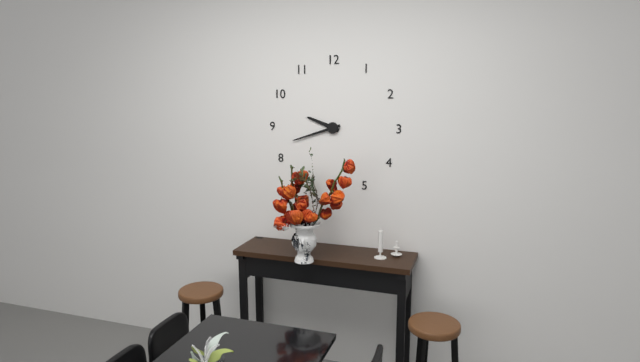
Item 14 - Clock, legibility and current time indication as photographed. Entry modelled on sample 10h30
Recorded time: 9h42
